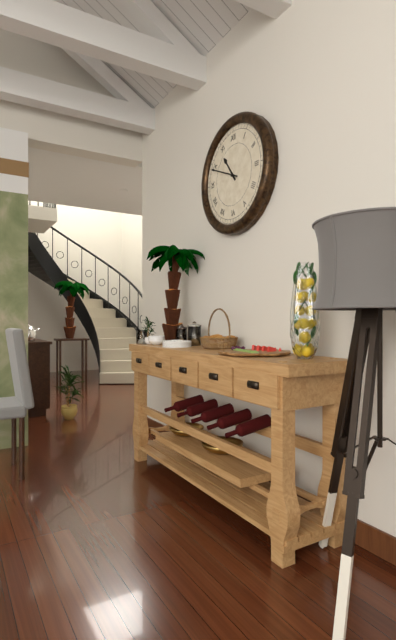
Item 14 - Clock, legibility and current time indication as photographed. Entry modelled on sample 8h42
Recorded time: 10h49
